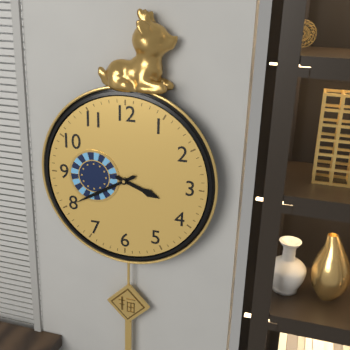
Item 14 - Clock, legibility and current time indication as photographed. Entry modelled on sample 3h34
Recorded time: 3h40
